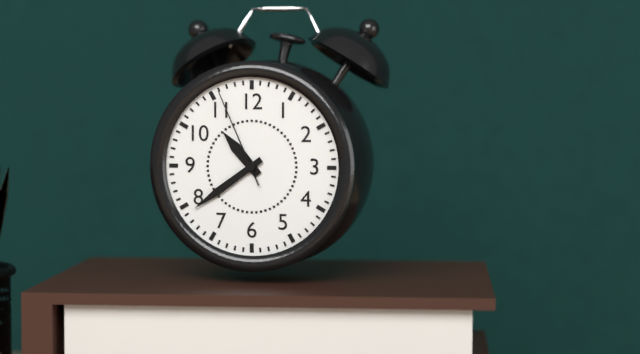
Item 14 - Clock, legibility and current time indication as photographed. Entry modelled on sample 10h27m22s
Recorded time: 10h39m56s
